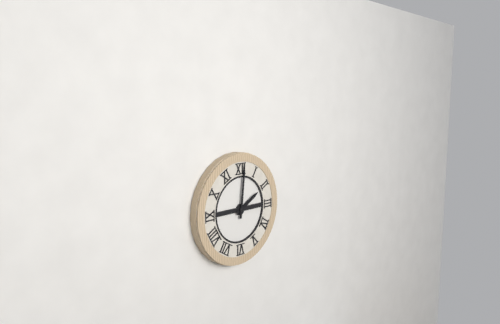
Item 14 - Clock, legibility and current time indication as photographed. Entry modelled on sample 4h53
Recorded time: 2h01
